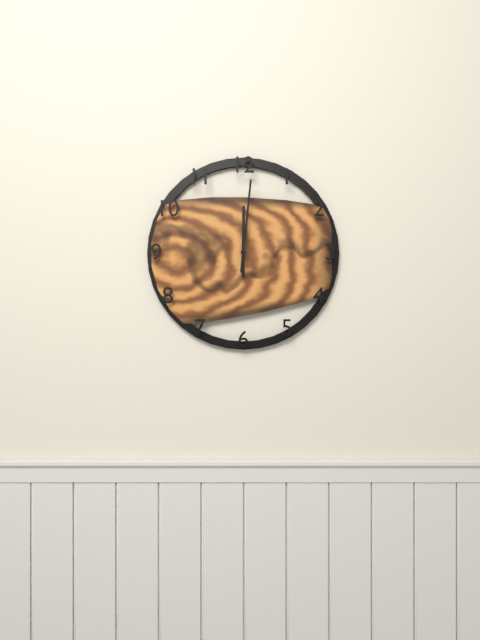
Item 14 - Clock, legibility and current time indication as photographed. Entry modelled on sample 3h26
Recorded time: 12h01
